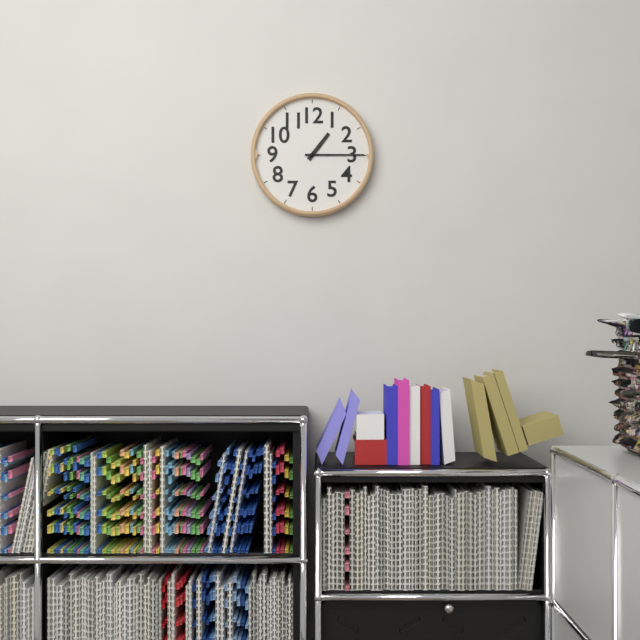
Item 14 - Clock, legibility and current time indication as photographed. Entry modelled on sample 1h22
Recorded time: 1h15
